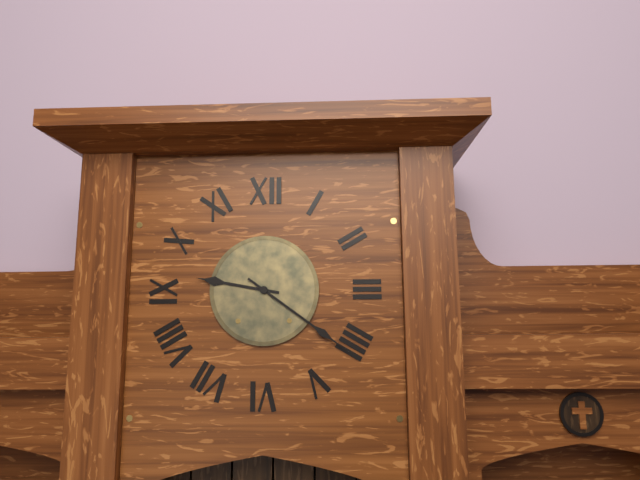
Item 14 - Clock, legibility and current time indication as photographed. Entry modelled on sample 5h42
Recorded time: 9h21
